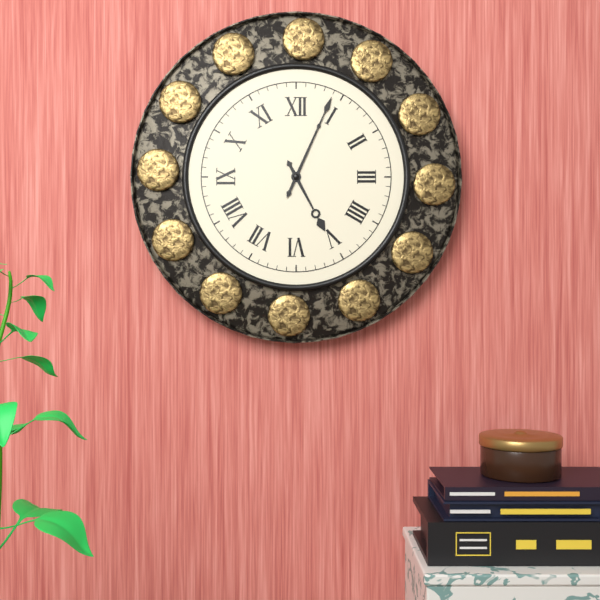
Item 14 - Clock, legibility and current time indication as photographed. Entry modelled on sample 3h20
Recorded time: 5h04
